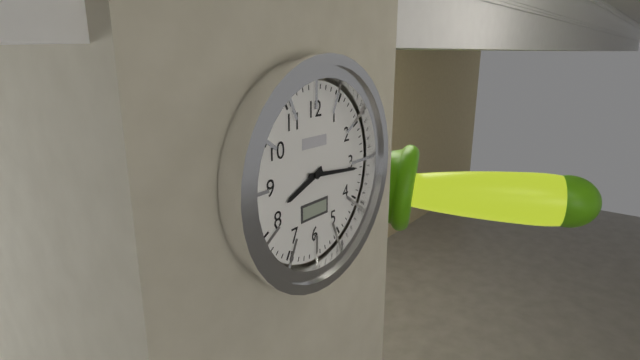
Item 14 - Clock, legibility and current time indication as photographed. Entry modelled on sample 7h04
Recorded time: 8h16
